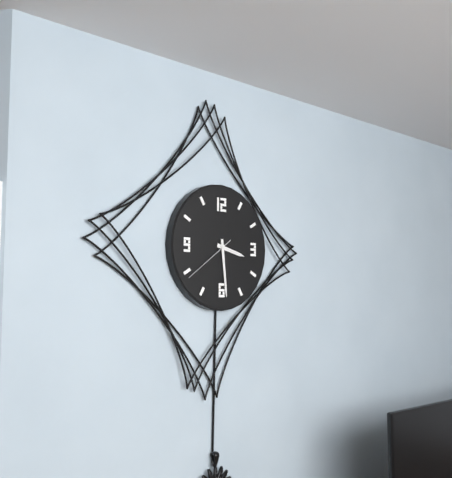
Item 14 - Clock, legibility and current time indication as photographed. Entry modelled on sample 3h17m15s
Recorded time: 3h29m39s
